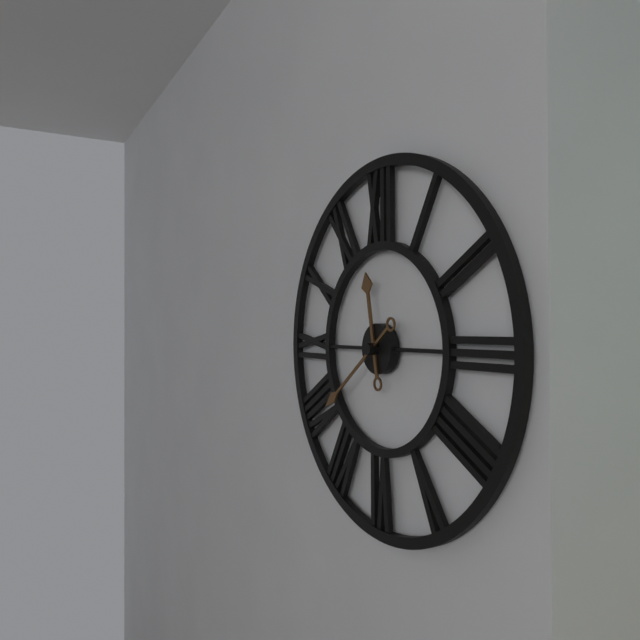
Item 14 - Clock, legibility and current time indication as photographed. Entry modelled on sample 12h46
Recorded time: 11h39
